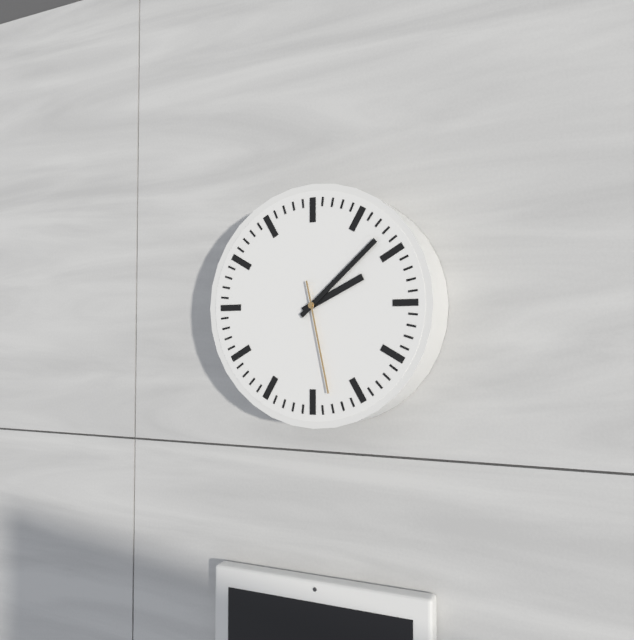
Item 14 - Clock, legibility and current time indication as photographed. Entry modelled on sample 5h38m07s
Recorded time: 2h08m28s
